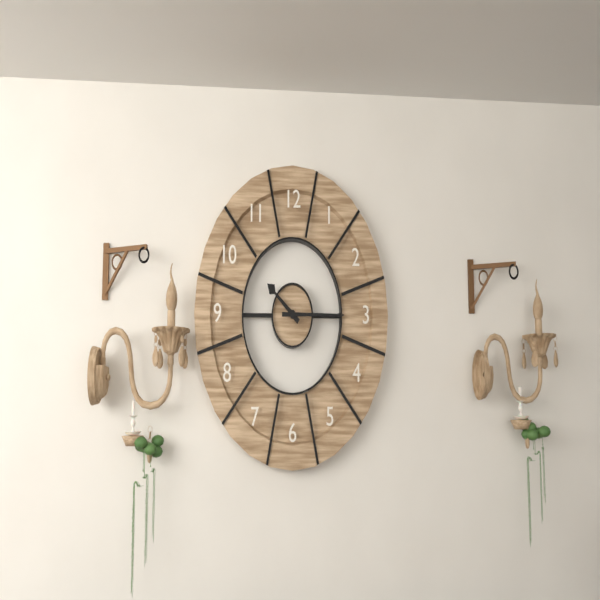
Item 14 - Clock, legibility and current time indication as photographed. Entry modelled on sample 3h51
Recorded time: 10h15
